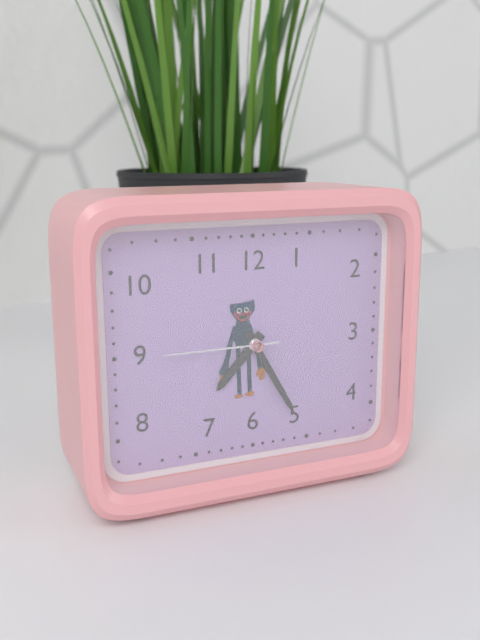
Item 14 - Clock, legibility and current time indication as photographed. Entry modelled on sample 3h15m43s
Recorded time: 7h25m45s
